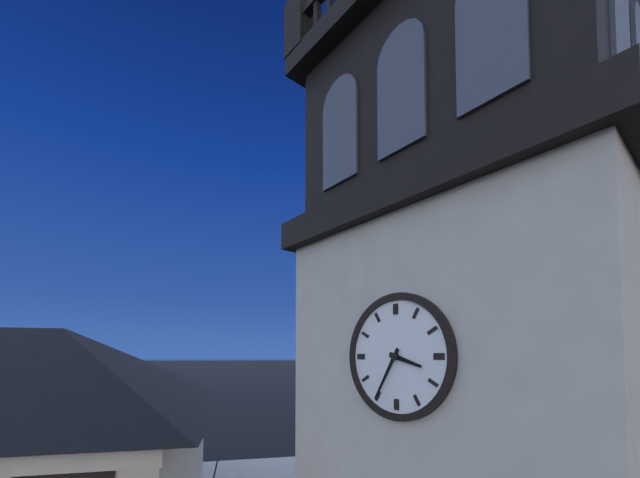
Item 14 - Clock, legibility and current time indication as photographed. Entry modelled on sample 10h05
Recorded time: 3h35
